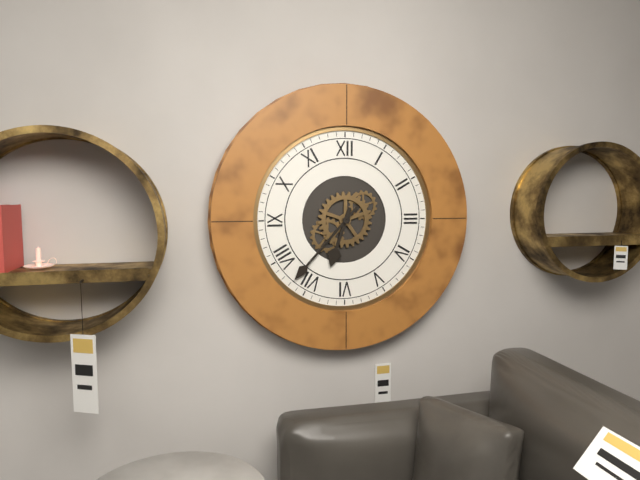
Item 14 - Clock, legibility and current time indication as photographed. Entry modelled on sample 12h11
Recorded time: 6h37
